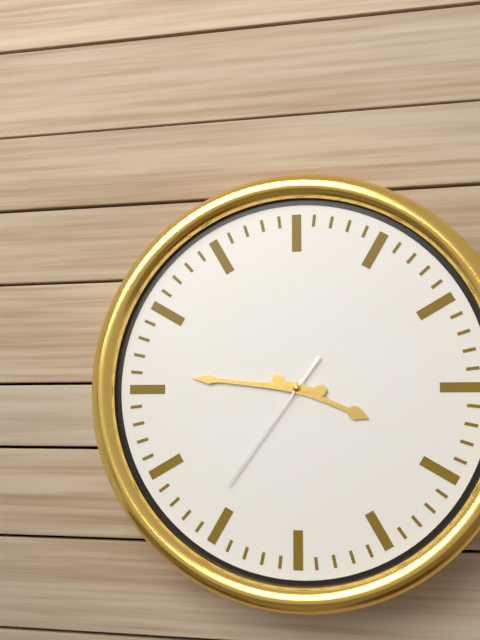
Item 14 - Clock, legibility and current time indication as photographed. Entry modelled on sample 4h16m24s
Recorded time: 3h46m36s
